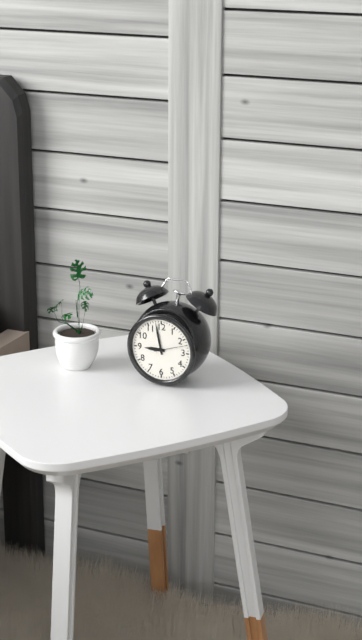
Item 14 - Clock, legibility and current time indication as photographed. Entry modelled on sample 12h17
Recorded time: 8h58
